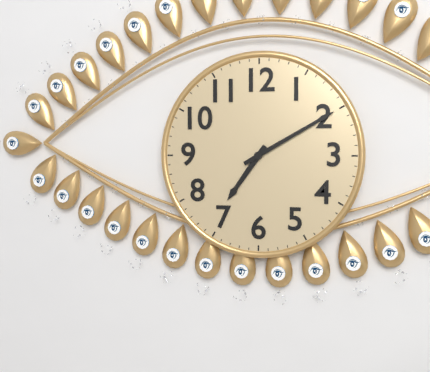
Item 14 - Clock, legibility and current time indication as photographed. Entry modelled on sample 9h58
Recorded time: 7h10
